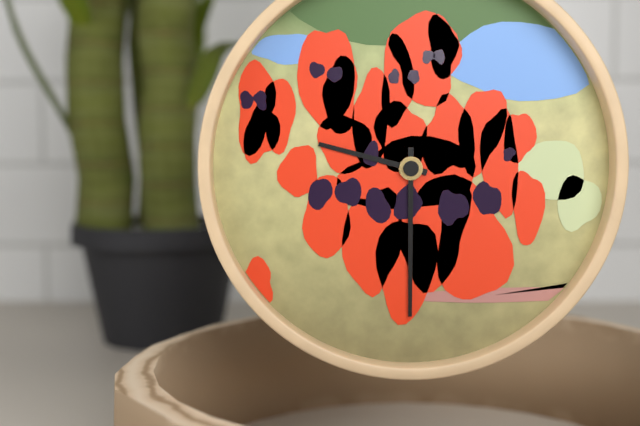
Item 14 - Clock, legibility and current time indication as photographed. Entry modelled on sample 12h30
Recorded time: 9h30
